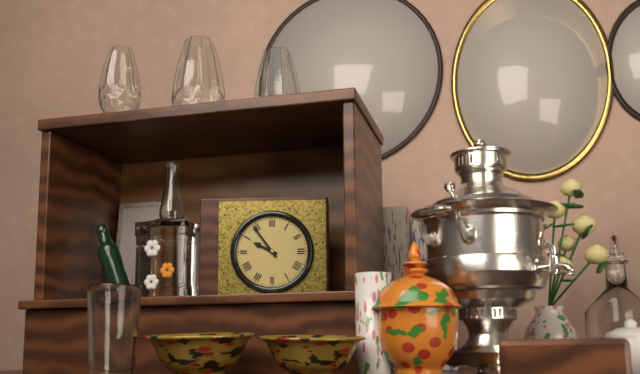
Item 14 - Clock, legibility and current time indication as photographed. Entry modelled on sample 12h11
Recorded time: 9h54
